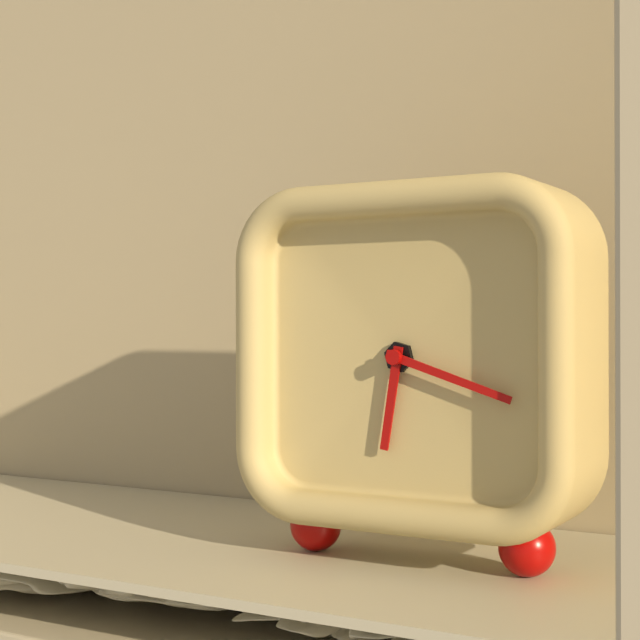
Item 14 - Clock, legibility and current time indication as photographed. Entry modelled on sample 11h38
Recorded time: 6h18
